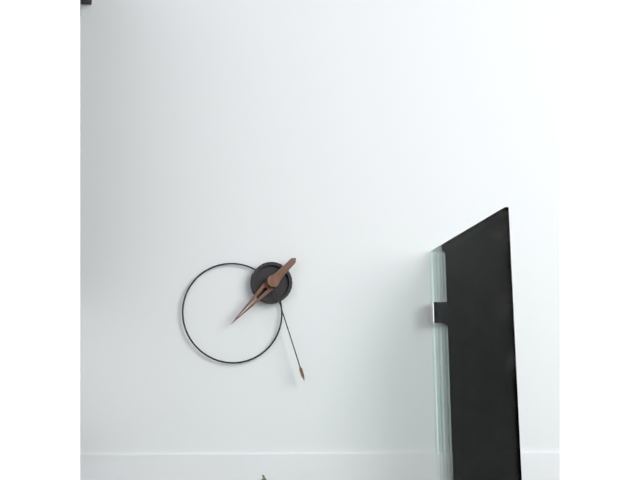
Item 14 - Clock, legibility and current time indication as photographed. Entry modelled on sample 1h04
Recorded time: 7h27
